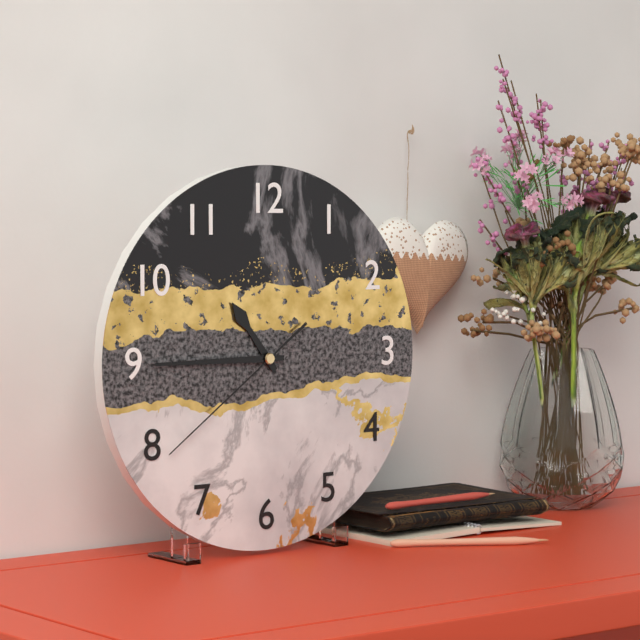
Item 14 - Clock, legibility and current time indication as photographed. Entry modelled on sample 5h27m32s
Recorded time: 10h45m39s
